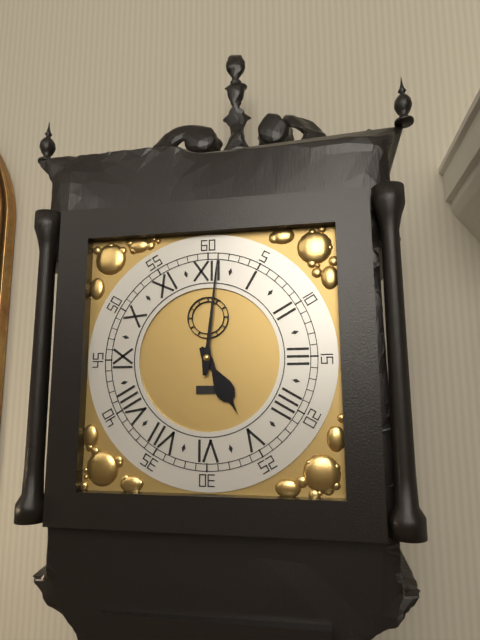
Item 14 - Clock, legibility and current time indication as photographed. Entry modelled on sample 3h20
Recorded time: 5h01
